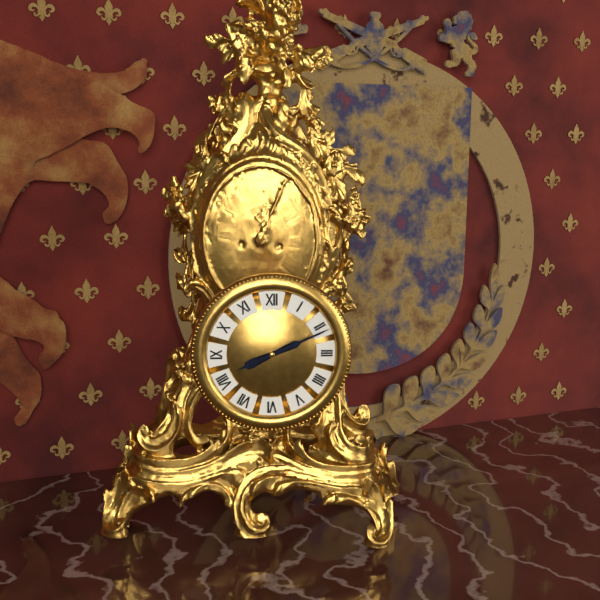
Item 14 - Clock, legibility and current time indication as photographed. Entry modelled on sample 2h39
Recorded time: 8h11
